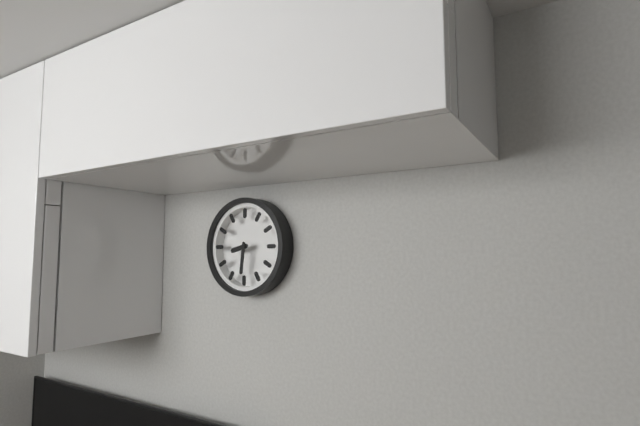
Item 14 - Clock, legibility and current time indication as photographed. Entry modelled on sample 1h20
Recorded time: 8h31
